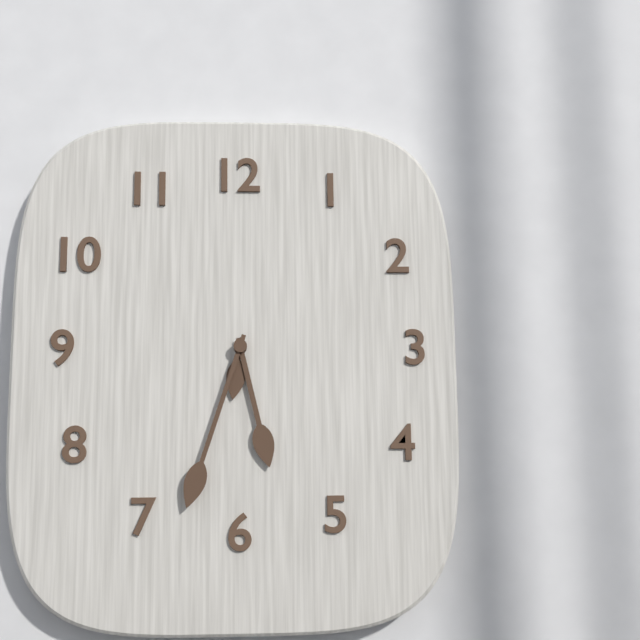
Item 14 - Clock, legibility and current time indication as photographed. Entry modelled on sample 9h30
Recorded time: 5h33
